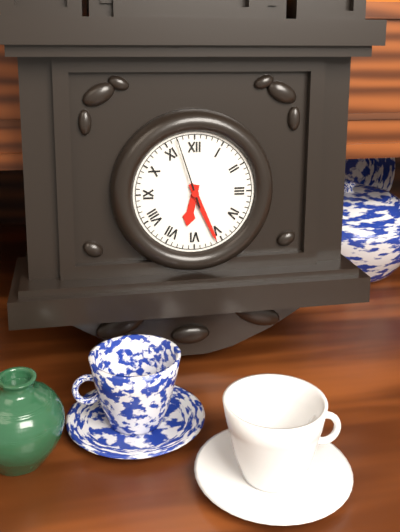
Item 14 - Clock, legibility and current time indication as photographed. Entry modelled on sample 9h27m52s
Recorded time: 6h26m57s
